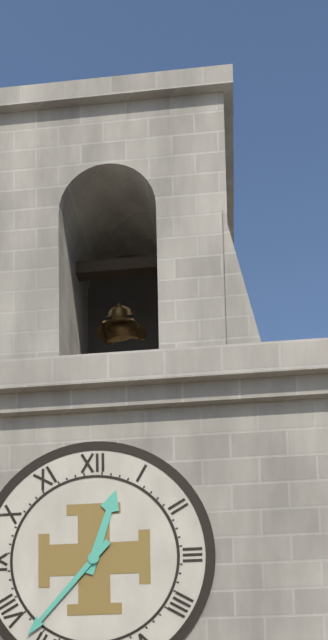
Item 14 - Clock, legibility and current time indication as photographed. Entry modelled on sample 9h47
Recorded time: 12h37
